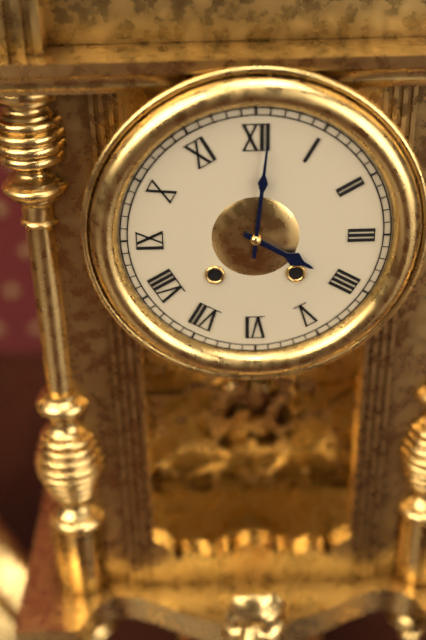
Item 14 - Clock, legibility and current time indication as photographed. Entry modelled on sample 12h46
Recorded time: 4h01
